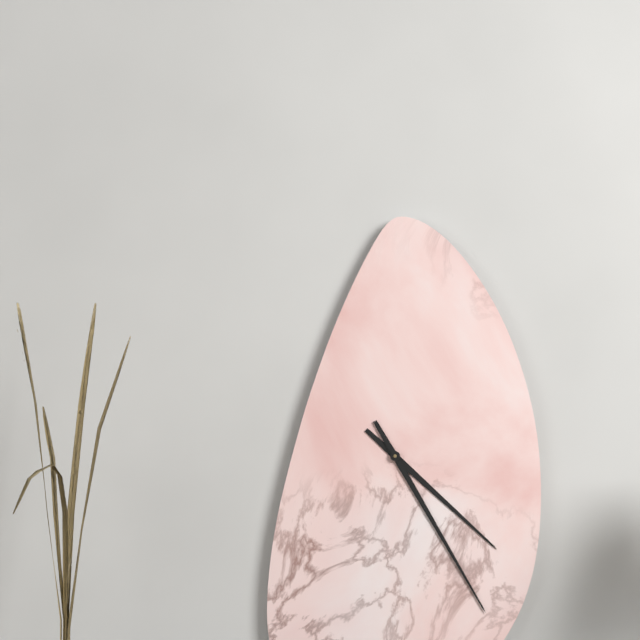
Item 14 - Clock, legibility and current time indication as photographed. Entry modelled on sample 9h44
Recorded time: 4h25
